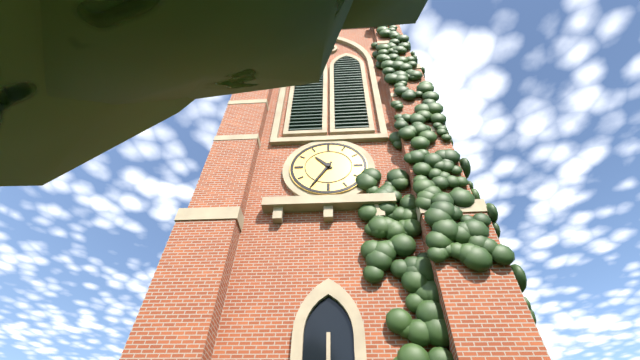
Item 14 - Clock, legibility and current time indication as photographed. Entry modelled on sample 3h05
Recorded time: 10h35
